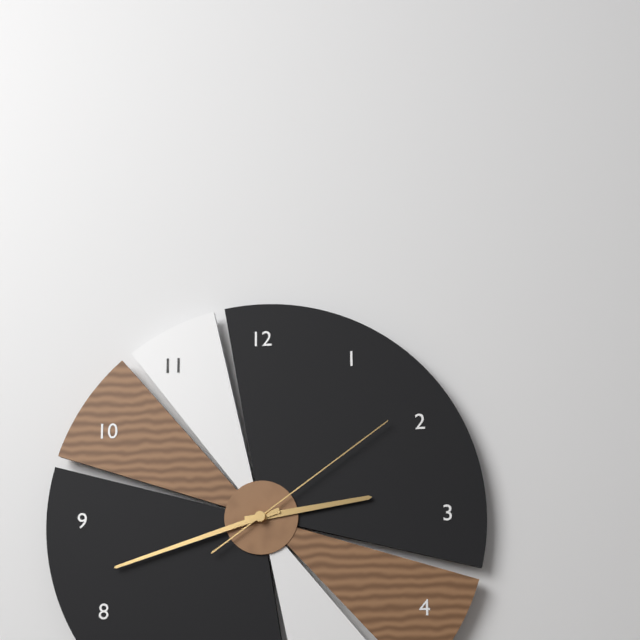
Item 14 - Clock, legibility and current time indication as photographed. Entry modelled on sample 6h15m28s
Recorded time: 2h42m09s
